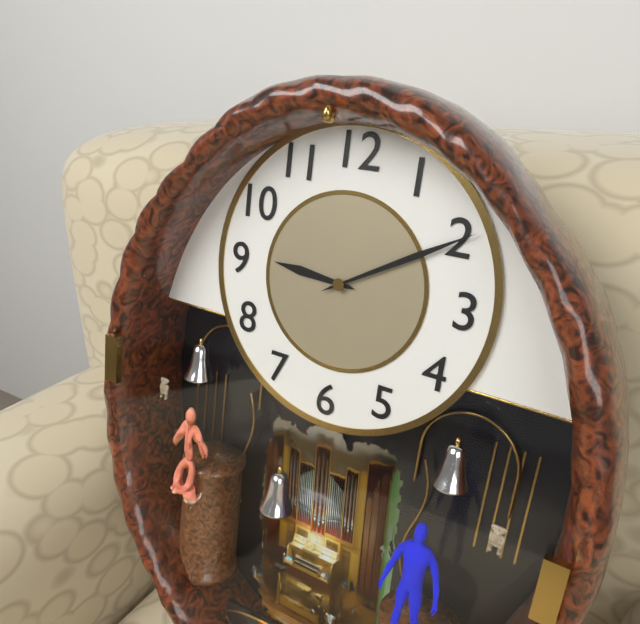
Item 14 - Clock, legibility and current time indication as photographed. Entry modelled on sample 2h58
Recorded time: 9h10
